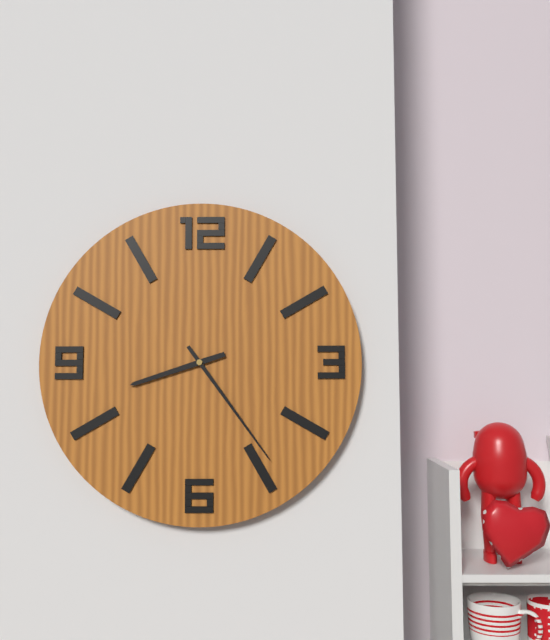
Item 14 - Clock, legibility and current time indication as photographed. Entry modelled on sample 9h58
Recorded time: 8h24
